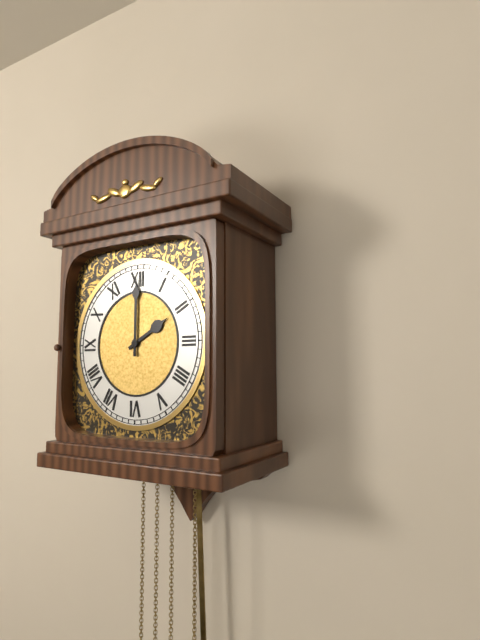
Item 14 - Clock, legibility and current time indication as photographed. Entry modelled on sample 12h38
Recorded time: 2h00
